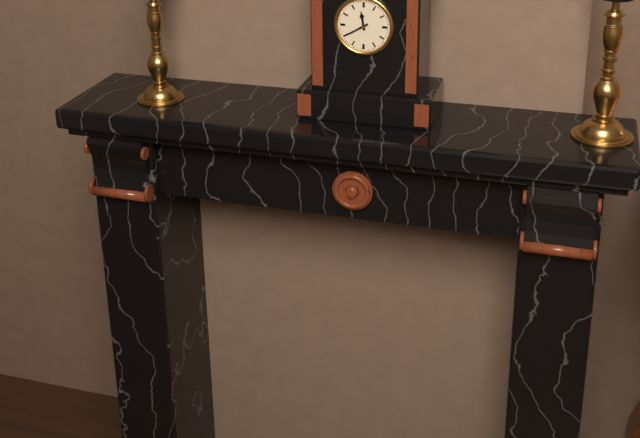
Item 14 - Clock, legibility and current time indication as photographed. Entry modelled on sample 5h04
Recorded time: 11h40
